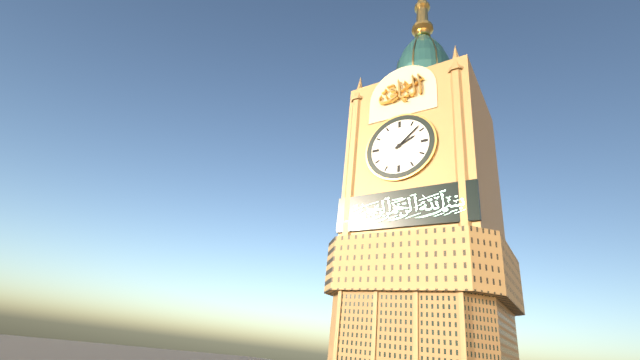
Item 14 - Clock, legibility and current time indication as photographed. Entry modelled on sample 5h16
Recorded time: 2h08
